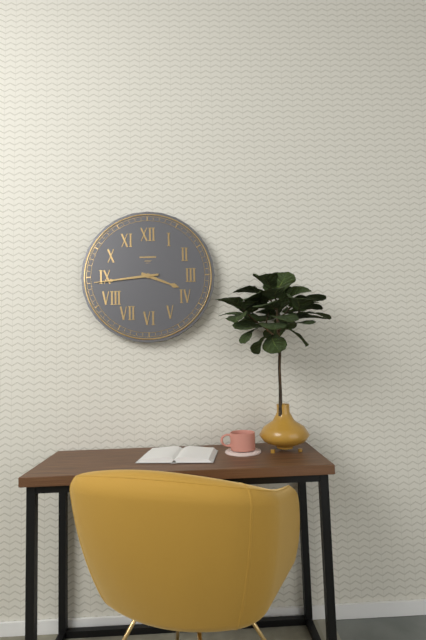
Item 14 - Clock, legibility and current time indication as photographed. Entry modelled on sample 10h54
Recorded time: 3h44
